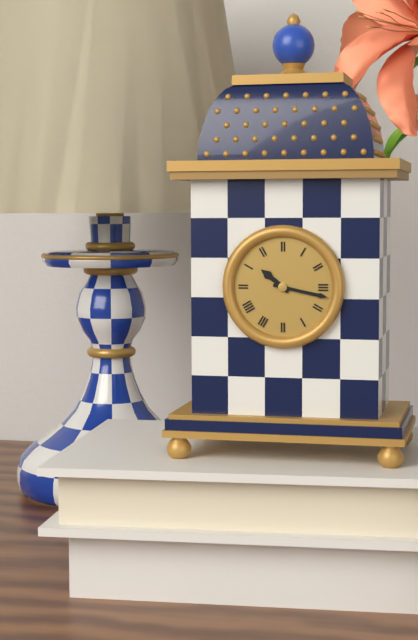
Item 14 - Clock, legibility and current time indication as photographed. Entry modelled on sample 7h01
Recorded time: 10h17
